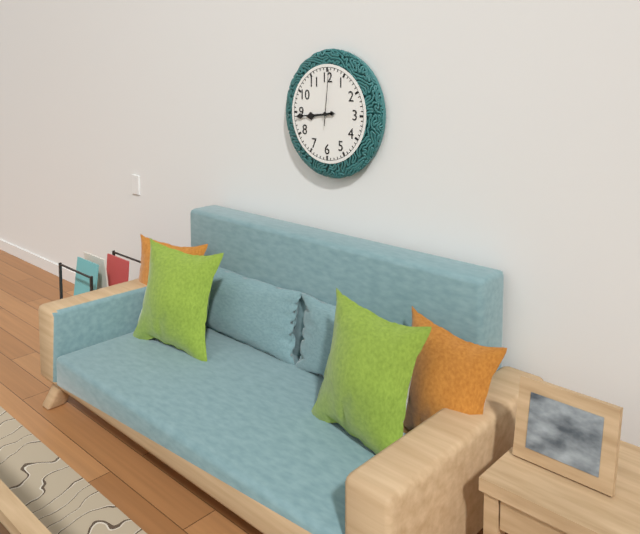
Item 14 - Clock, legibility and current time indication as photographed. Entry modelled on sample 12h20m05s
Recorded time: 8h44m01s
